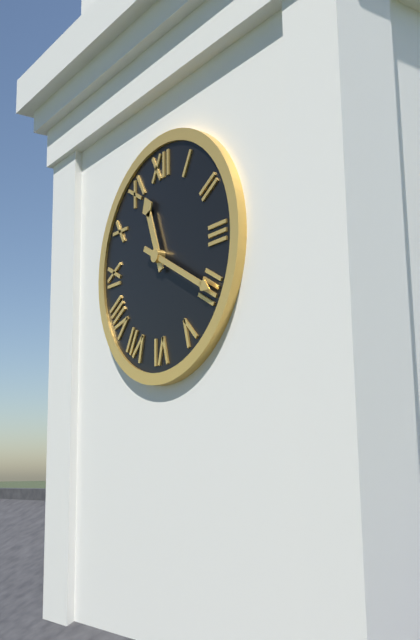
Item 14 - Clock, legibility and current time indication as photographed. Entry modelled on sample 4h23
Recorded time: 11h20
